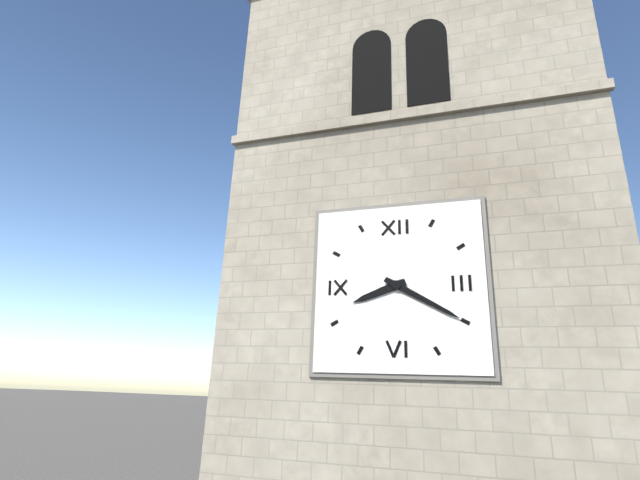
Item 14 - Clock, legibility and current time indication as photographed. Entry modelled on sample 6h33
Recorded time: 8h20
